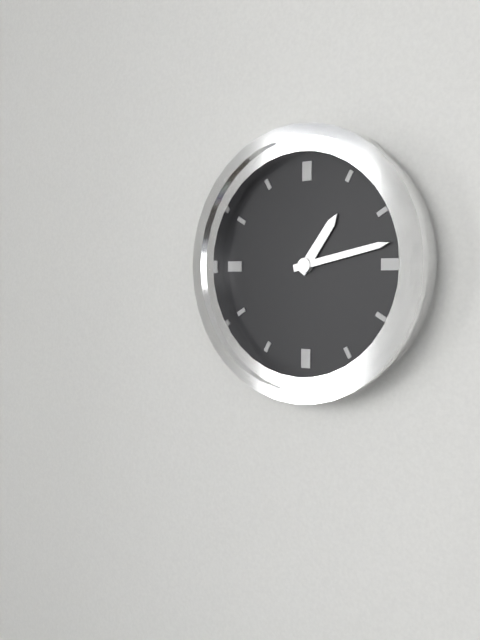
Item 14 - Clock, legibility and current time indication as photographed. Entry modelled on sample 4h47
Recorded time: 1h13
